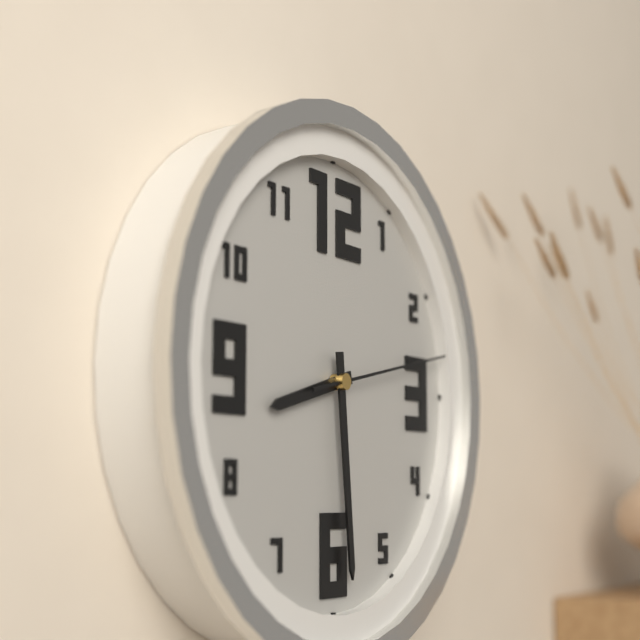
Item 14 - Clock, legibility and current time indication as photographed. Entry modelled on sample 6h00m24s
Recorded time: 8h29m13s
